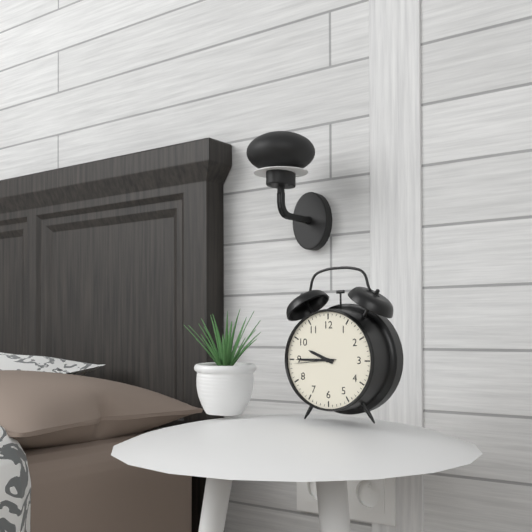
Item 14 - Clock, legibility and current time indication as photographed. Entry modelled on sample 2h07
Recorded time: 9h45
